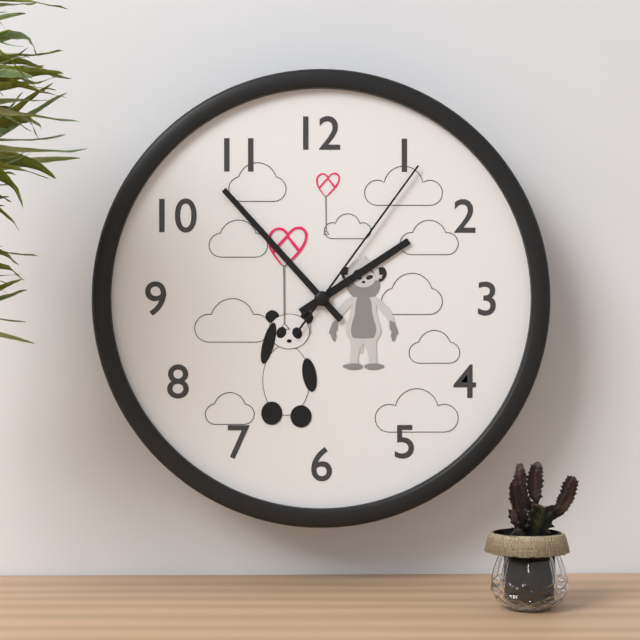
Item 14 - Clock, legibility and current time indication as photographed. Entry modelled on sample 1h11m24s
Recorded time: 1h53m06s
